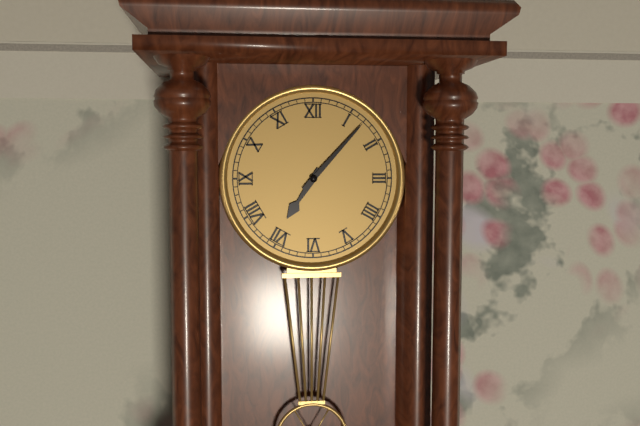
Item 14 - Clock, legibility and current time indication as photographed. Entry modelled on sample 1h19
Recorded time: 7h07
